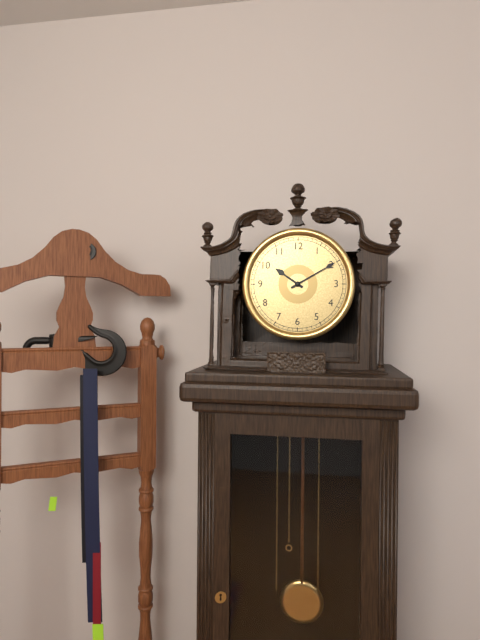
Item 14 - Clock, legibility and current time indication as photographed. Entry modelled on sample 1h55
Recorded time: 10h10
